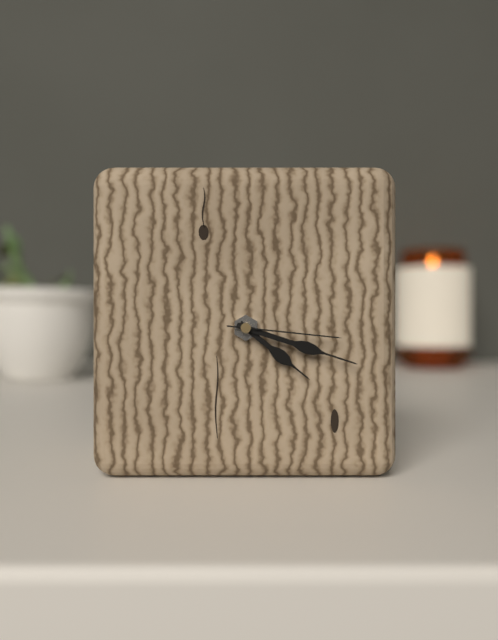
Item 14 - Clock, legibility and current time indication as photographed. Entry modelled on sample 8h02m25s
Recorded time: 4h18m16s
